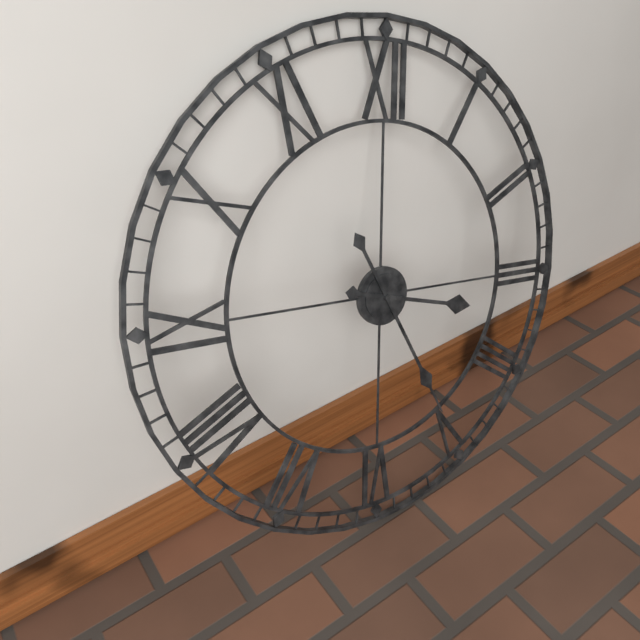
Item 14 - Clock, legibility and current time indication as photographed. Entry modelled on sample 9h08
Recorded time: 3h25
